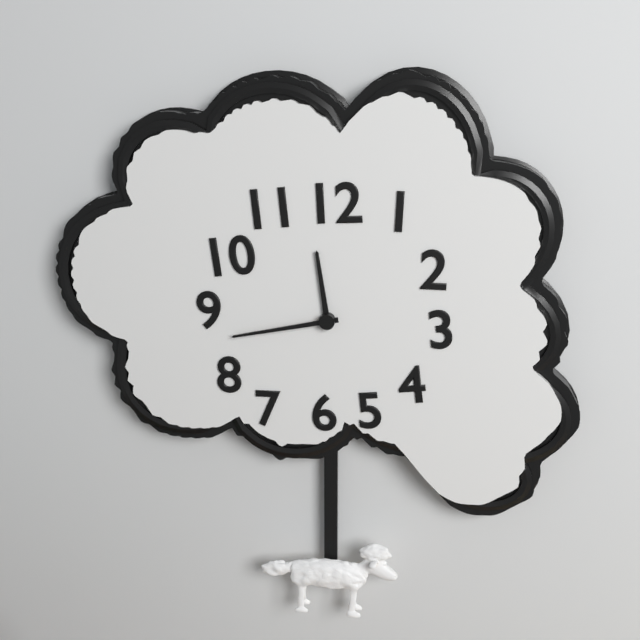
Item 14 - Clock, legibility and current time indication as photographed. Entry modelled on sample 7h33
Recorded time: 11h43
